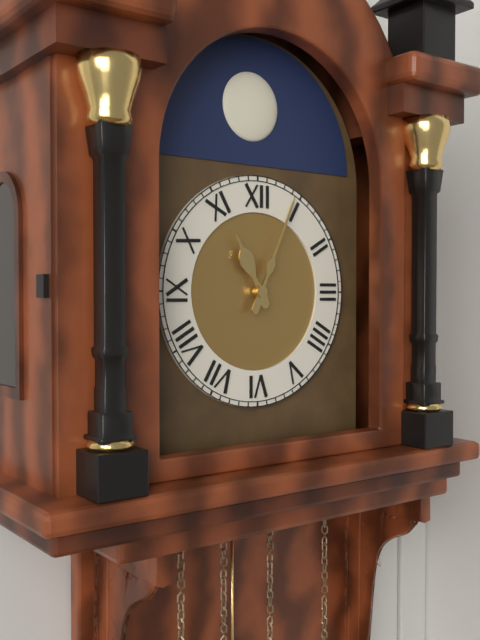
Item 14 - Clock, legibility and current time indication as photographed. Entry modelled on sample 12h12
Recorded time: 11h04
